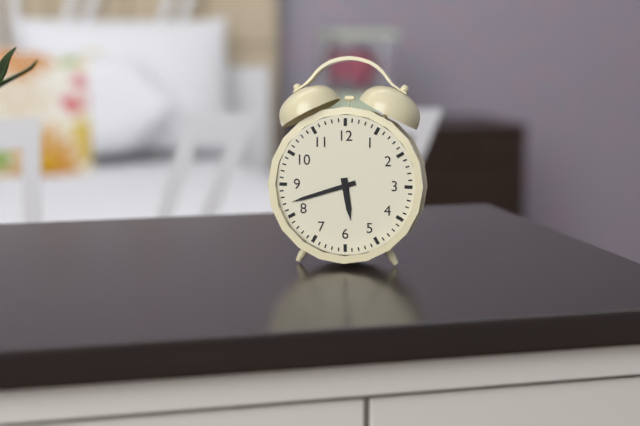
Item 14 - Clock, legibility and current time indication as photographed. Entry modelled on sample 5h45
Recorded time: 5h42
